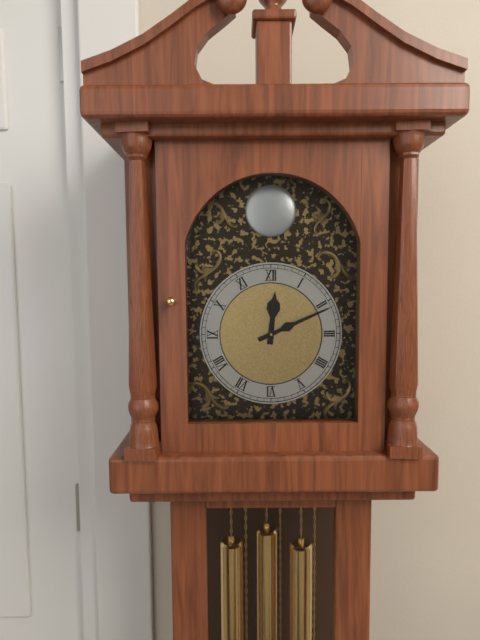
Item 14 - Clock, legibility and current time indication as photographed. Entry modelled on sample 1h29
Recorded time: 12h11
